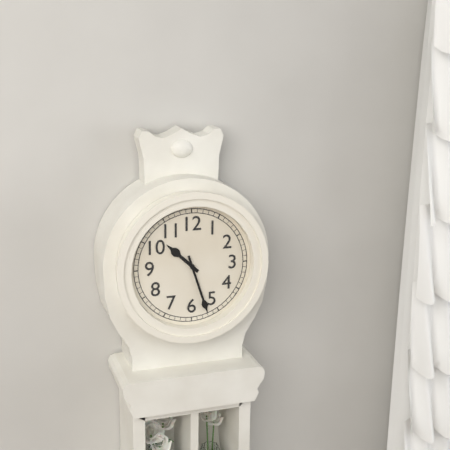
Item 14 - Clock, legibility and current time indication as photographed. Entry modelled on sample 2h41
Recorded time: 10h27
